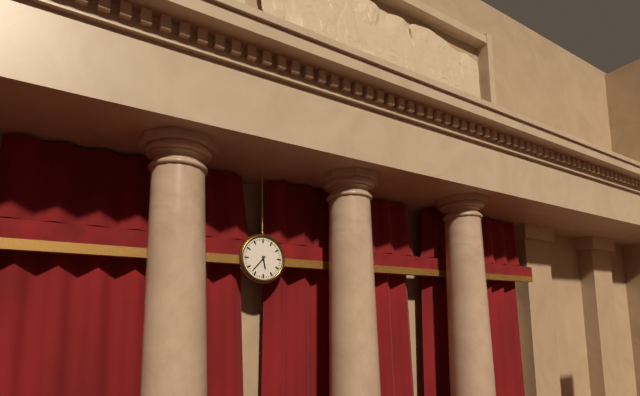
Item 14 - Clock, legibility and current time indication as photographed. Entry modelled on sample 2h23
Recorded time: 5h37
